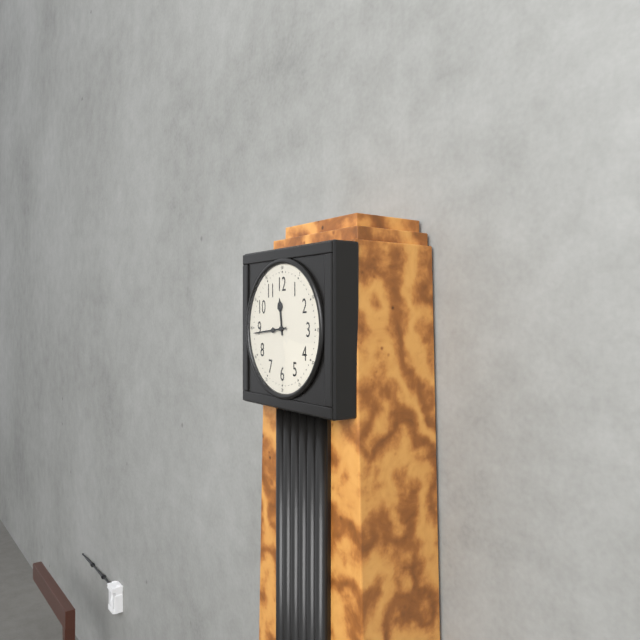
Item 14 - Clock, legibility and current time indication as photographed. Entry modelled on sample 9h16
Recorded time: 11h44
